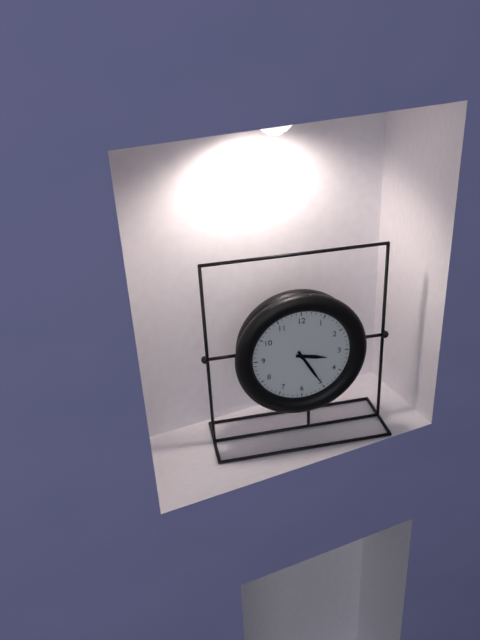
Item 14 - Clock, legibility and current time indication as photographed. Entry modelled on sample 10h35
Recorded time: 3h25
